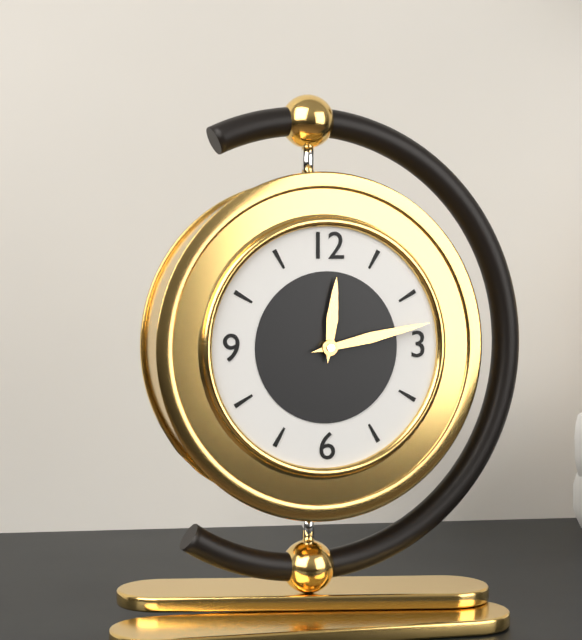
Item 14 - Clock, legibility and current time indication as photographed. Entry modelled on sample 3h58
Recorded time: 12h13
